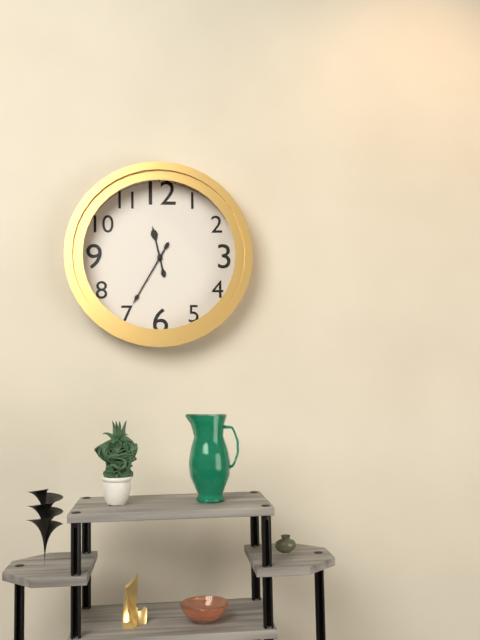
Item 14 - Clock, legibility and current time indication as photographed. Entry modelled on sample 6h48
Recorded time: 11h35
